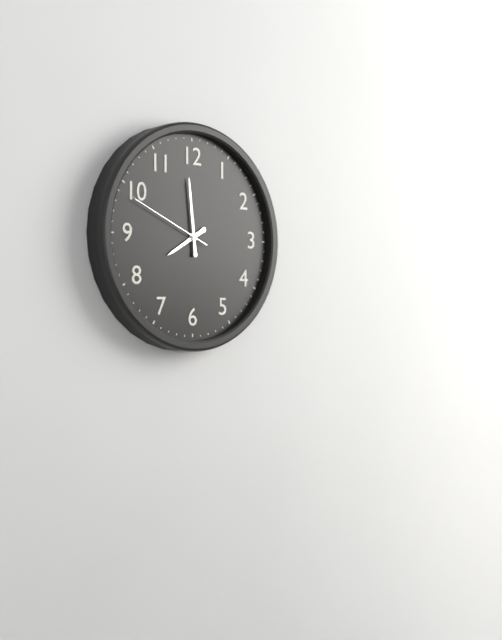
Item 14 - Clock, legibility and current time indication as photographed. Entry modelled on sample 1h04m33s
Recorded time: 7h59m49s
